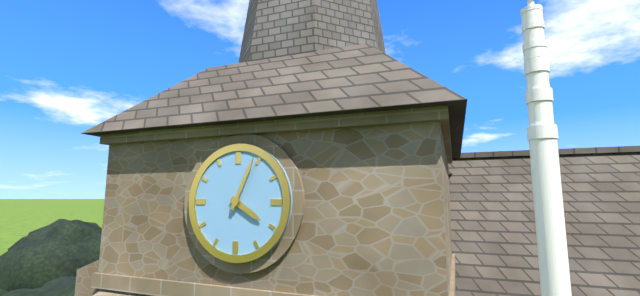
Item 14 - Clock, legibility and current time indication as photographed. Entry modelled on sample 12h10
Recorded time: 4h04
